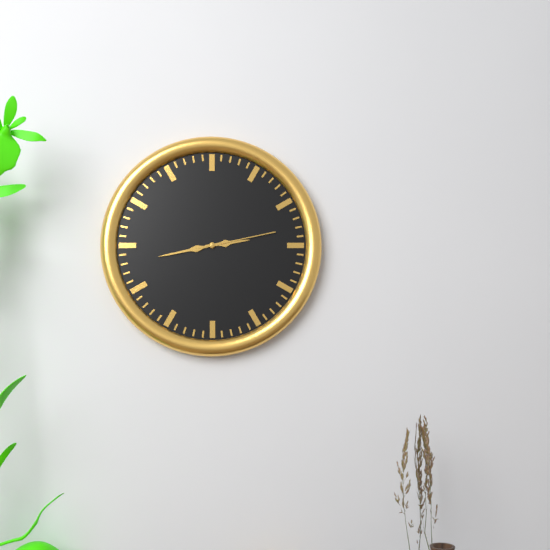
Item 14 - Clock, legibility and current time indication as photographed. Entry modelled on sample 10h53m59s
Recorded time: 2h43m13s
